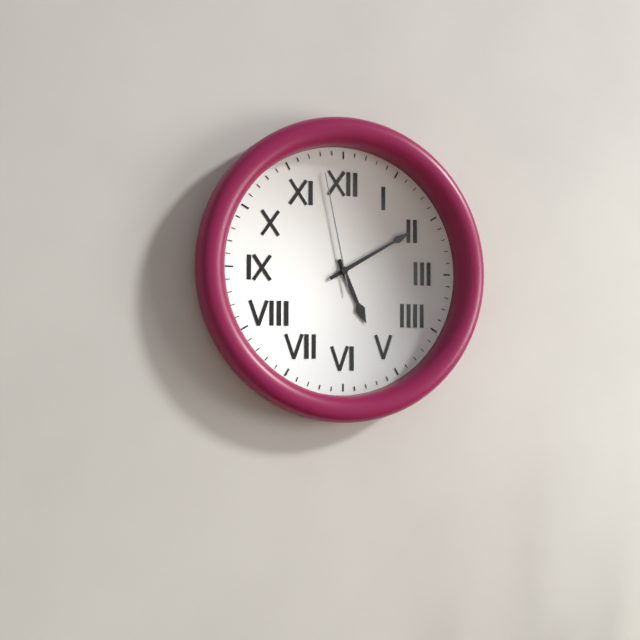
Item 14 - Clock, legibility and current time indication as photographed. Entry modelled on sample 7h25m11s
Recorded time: 5h10m58s
